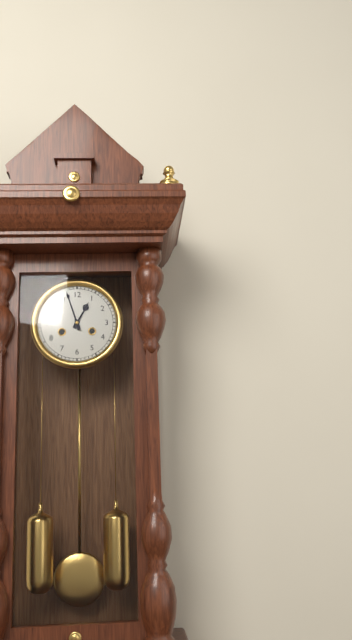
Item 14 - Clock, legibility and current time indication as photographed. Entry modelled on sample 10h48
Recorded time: 12h57
